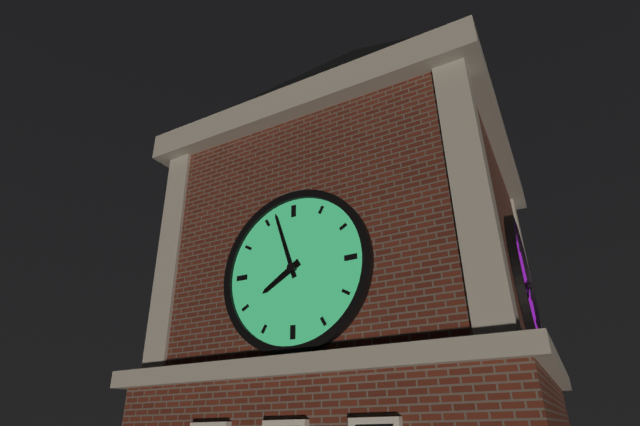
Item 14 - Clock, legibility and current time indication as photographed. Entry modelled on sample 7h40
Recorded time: 7h57
